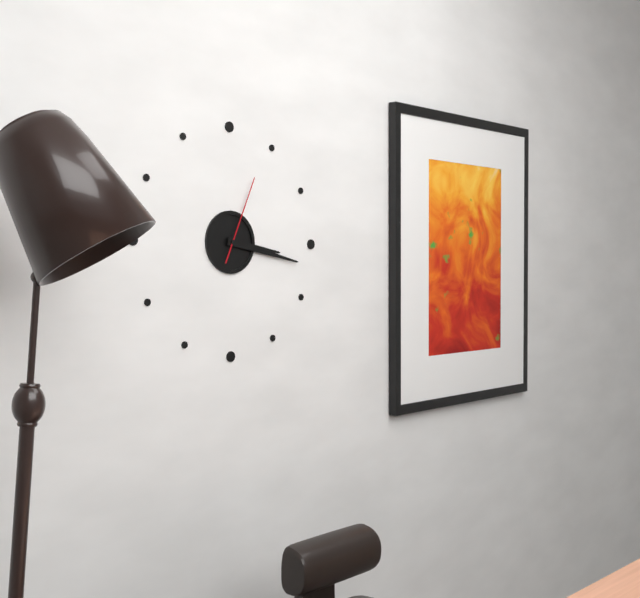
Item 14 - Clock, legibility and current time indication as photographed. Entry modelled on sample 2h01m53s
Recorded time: 3h17m04s
